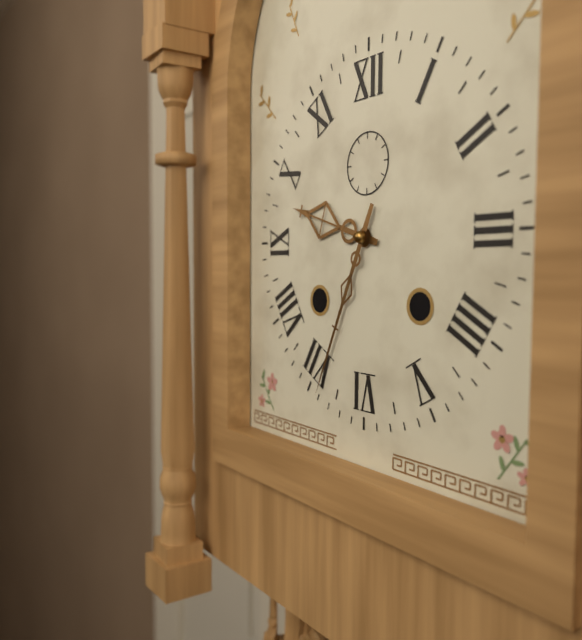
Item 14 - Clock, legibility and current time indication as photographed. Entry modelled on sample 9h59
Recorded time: 9h34
